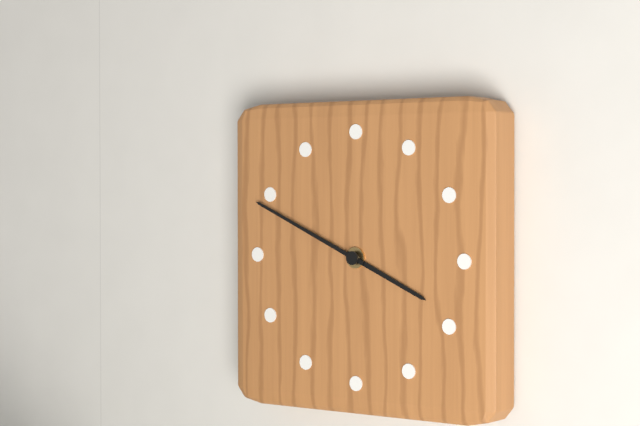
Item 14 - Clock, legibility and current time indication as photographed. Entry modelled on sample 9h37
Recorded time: 3h49
